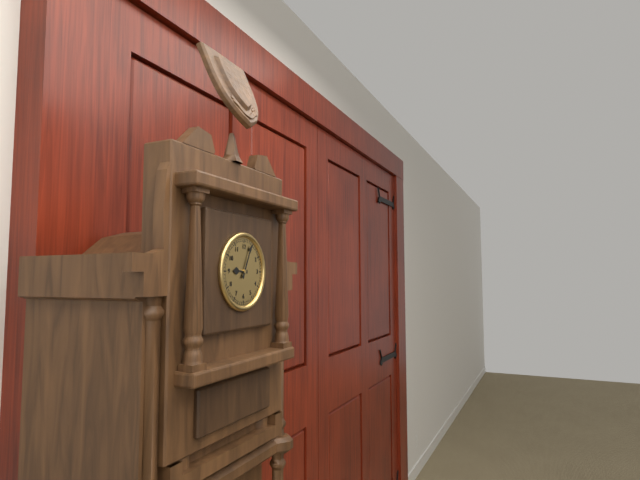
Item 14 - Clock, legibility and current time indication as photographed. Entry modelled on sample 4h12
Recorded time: 9h04
